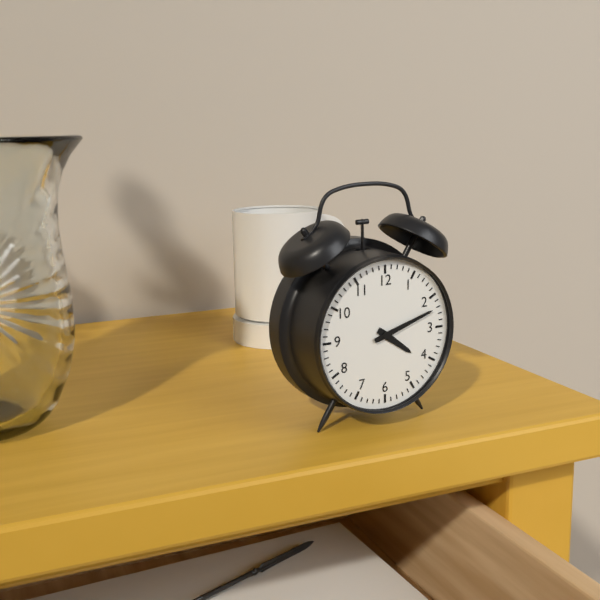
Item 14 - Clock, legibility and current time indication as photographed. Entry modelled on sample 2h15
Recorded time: 4h12
